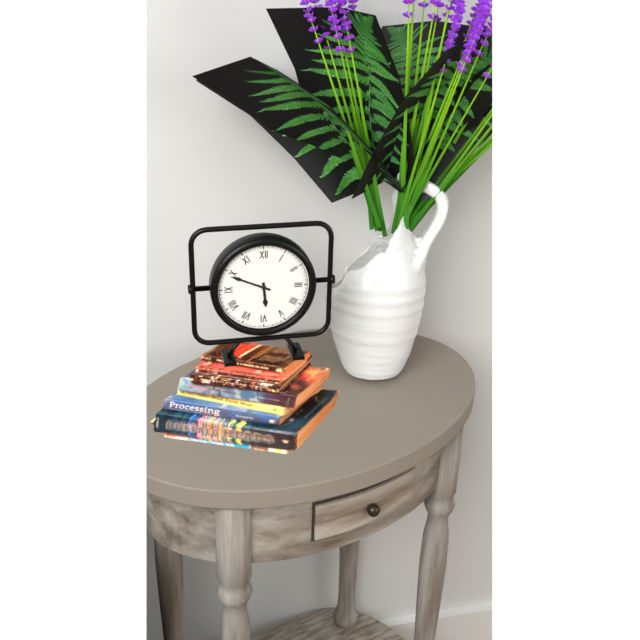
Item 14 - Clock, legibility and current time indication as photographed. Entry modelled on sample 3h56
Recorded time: 5h49
